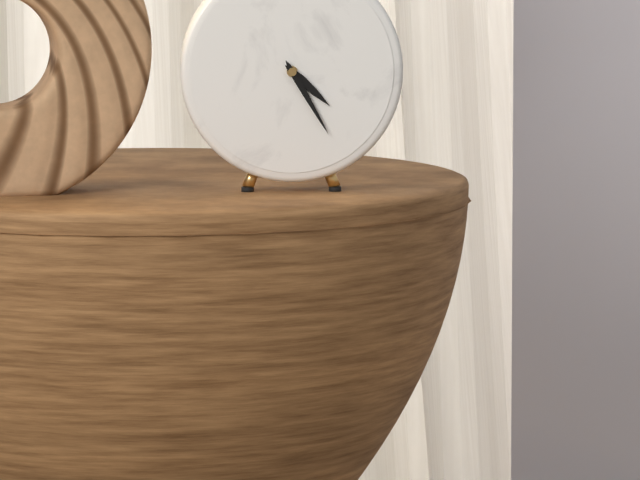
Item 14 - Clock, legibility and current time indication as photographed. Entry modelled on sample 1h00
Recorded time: 4h25
